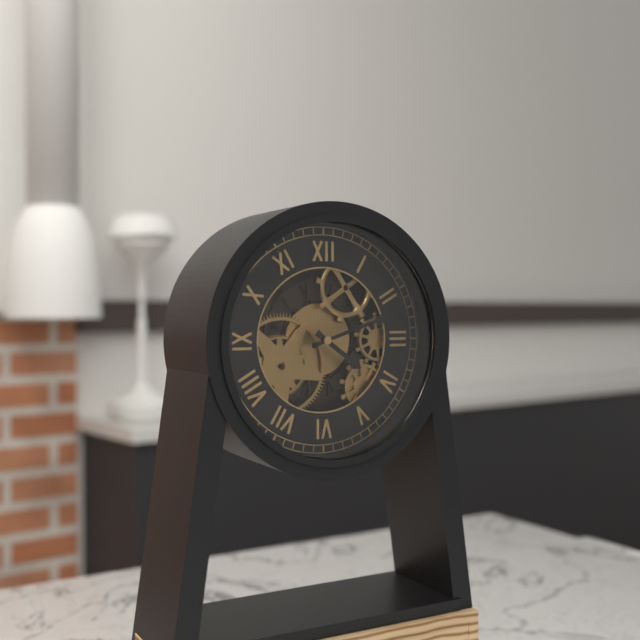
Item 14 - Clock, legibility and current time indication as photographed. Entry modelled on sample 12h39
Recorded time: 4h12
